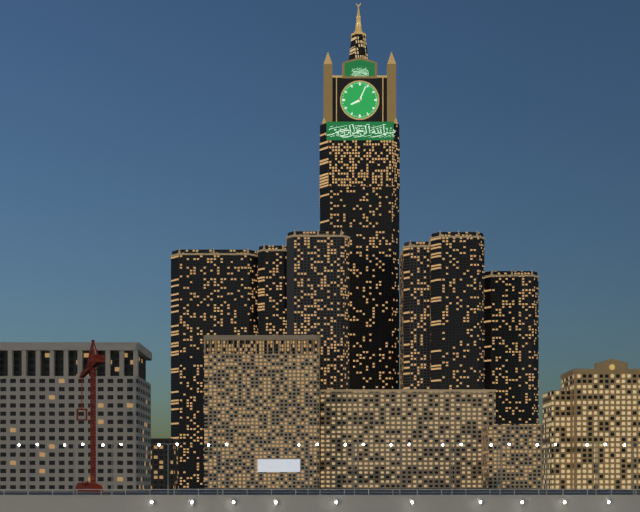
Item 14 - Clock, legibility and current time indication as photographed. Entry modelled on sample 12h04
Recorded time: 8h04
